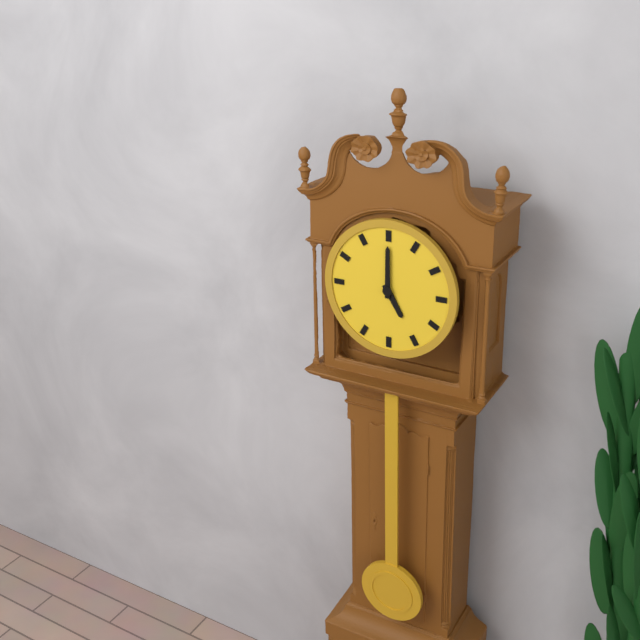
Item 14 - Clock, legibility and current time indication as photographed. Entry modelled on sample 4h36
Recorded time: 5h00
